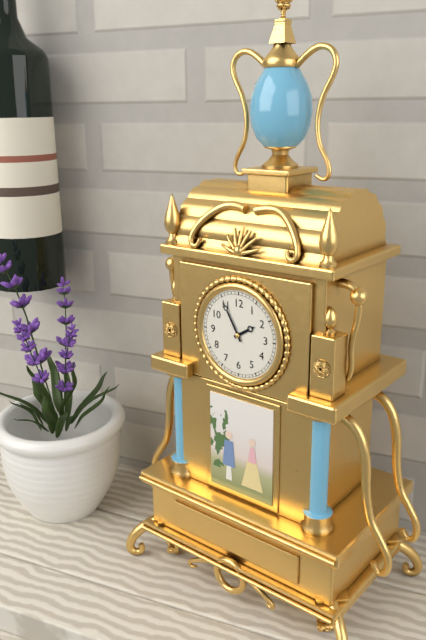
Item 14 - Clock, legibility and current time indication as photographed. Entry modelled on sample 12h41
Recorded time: 1h55
